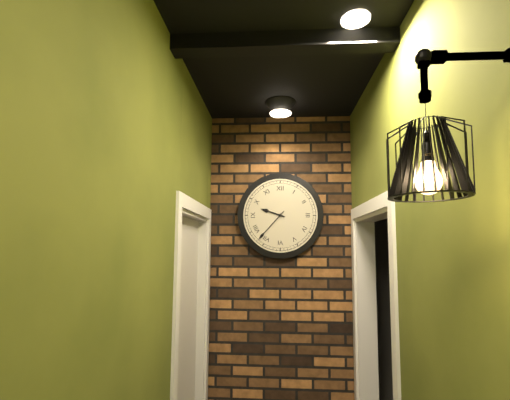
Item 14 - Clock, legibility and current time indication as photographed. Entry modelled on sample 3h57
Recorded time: 9h37
